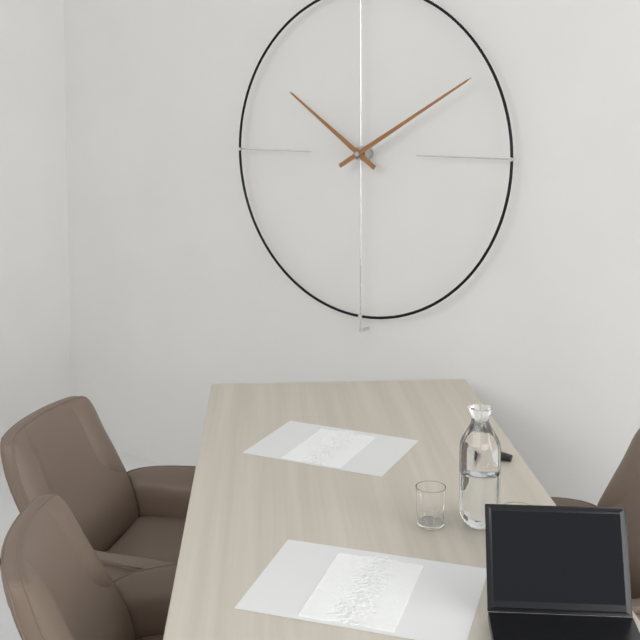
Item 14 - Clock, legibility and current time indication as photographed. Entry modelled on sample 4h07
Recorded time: 10h10
